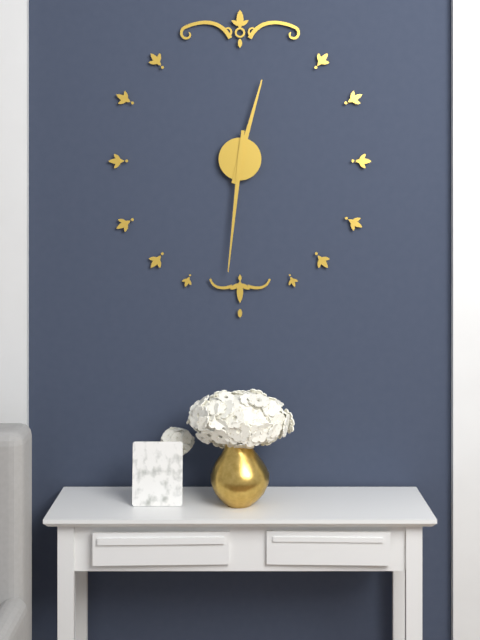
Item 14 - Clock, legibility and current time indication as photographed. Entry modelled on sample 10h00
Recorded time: 12h31
